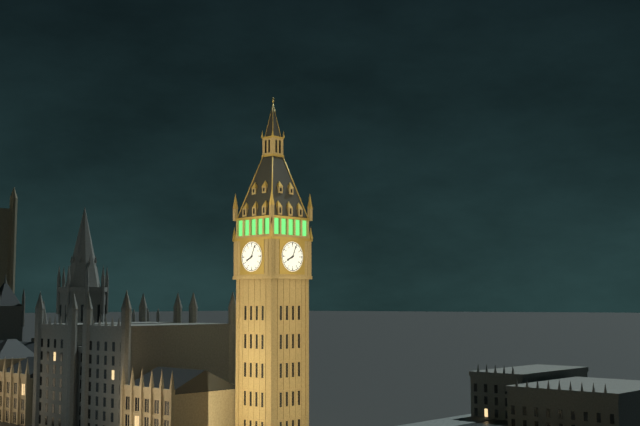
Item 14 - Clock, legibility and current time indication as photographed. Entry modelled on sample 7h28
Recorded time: 8h04
